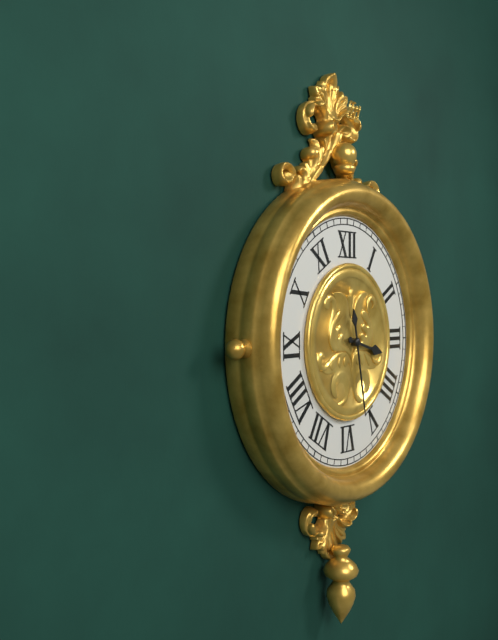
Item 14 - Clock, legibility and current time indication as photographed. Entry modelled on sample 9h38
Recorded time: 3h28
